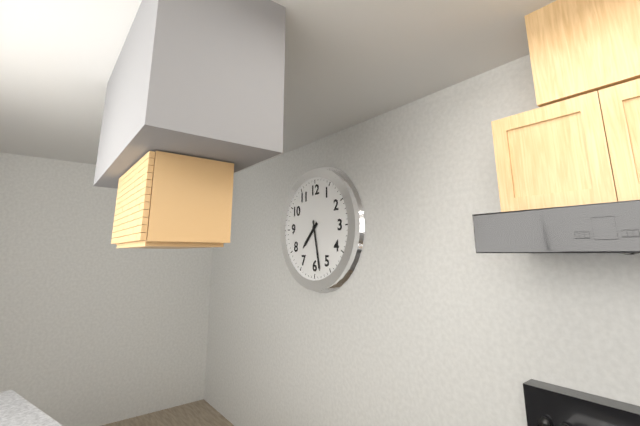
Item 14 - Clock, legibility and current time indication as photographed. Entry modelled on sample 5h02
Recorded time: 7h28
